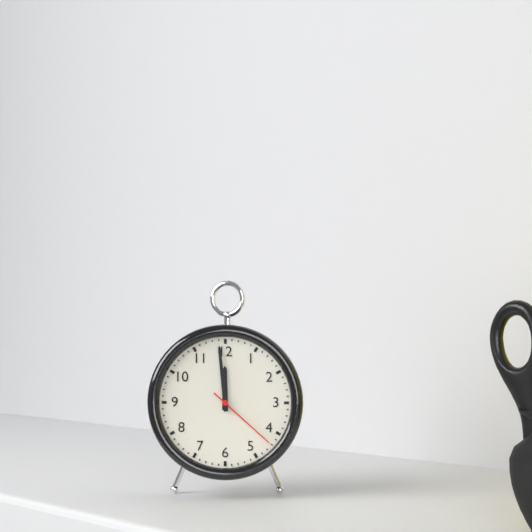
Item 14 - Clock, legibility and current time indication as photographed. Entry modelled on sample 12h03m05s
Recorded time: 11h59m22s
